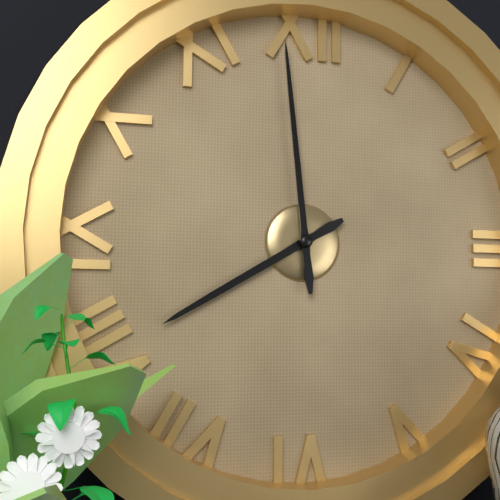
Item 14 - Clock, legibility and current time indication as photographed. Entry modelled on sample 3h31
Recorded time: 7h59
